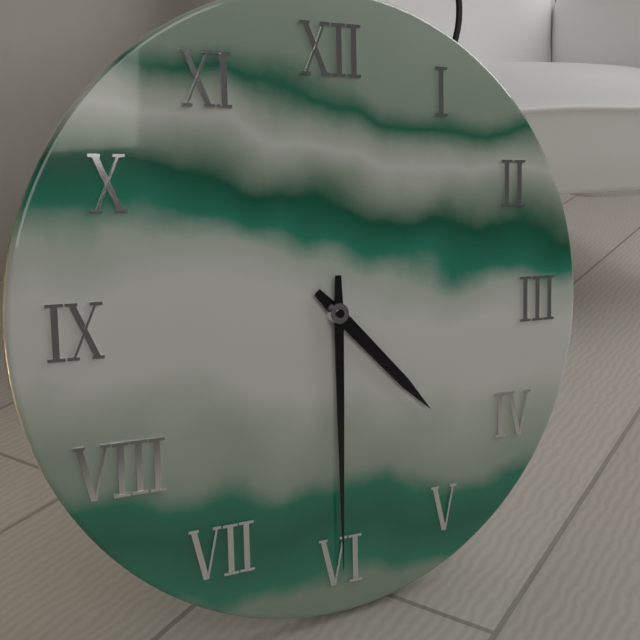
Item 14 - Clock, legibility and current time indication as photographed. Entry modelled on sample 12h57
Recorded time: 4h30
